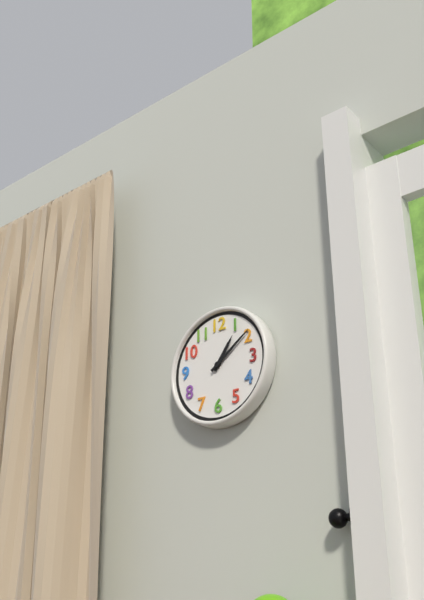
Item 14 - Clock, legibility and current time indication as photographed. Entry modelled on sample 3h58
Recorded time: 1h09
